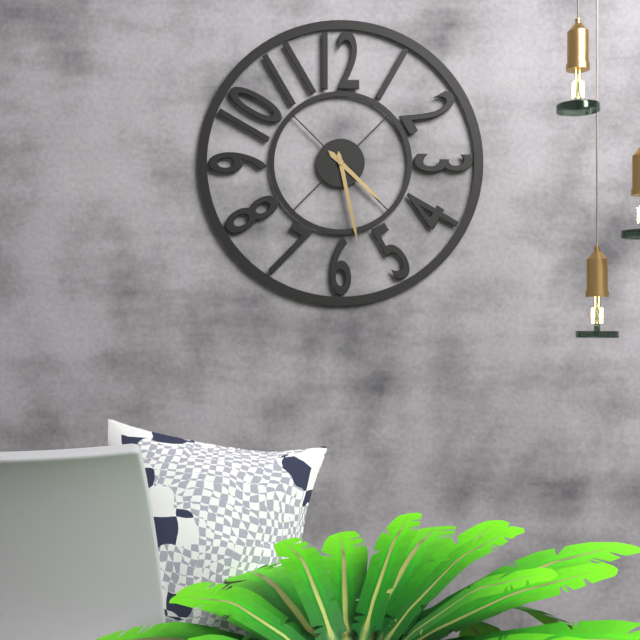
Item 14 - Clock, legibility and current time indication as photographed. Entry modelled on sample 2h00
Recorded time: 4h28
